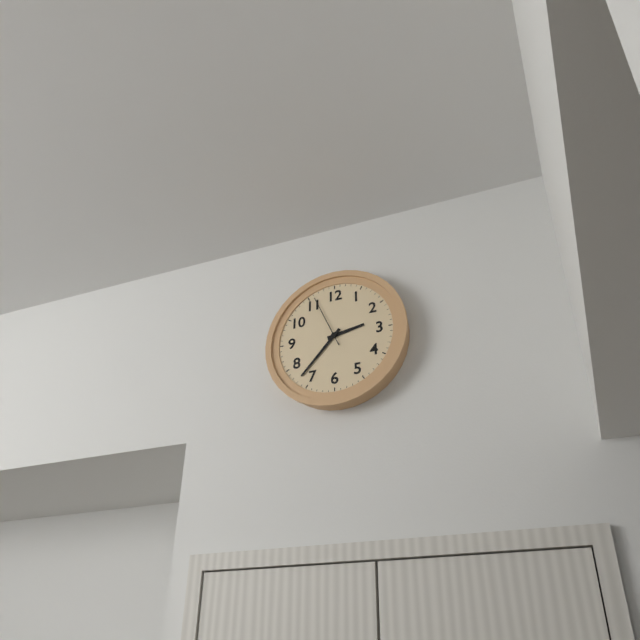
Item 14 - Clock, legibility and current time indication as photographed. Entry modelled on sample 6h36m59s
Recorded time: 2h37m56s
